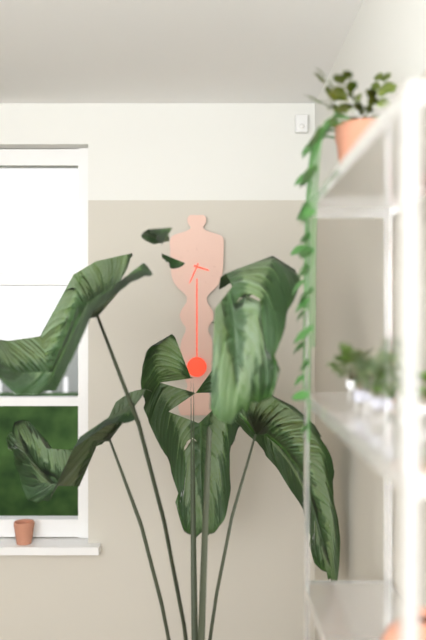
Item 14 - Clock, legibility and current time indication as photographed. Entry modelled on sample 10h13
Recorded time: 3h34
